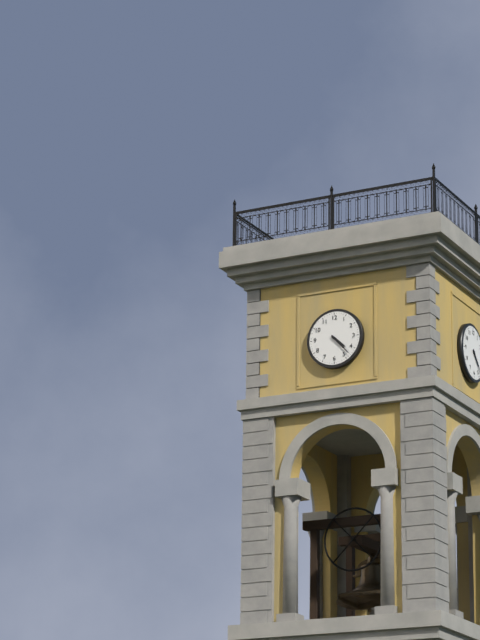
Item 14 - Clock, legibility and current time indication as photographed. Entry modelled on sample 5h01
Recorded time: 4h23
